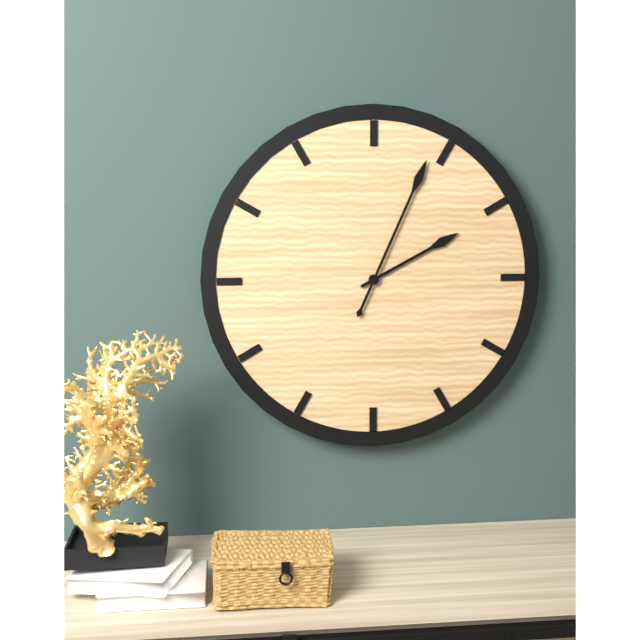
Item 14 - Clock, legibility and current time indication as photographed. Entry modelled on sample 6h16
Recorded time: 2h04
